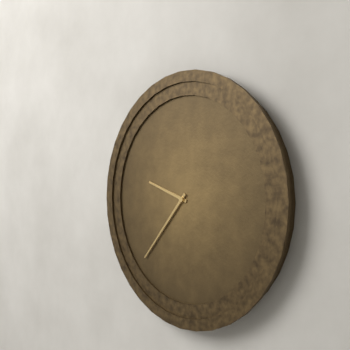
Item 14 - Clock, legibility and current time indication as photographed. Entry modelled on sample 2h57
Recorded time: 9h37
